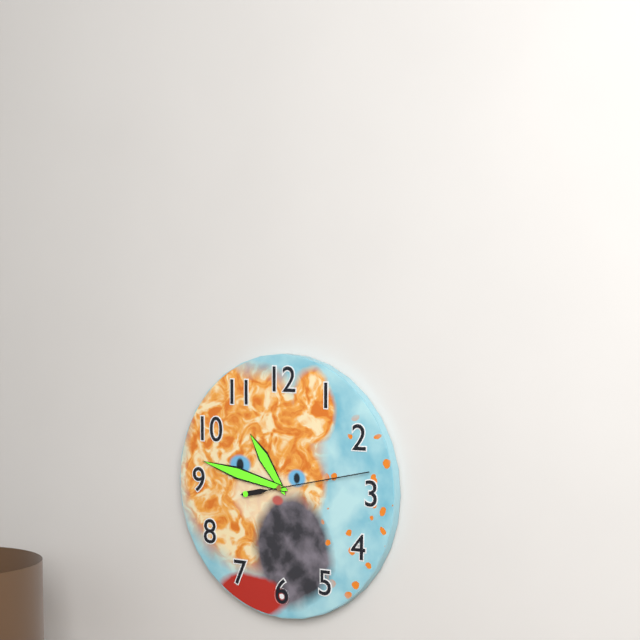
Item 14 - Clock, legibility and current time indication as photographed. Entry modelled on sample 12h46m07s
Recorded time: 10h47m13s
